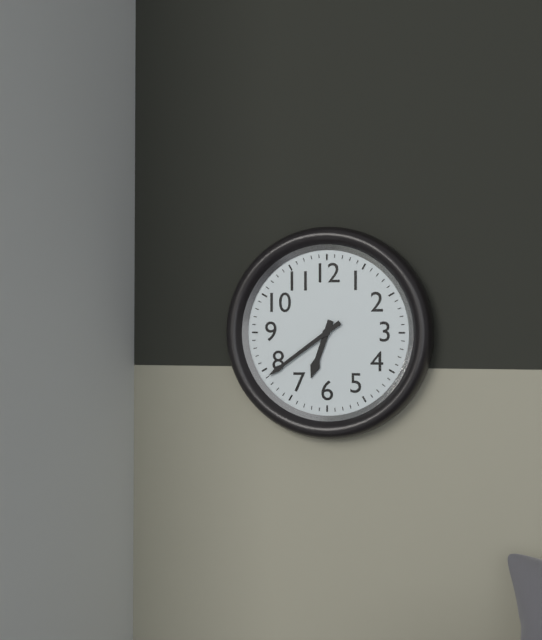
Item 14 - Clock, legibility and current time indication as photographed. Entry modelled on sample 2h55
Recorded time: 6h39
